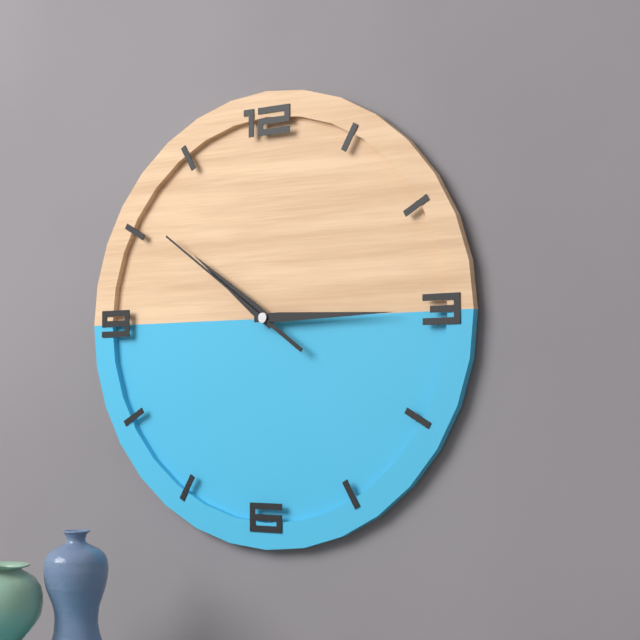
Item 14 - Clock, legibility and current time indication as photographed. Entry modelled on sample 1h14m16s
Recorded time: 10h15m51s
